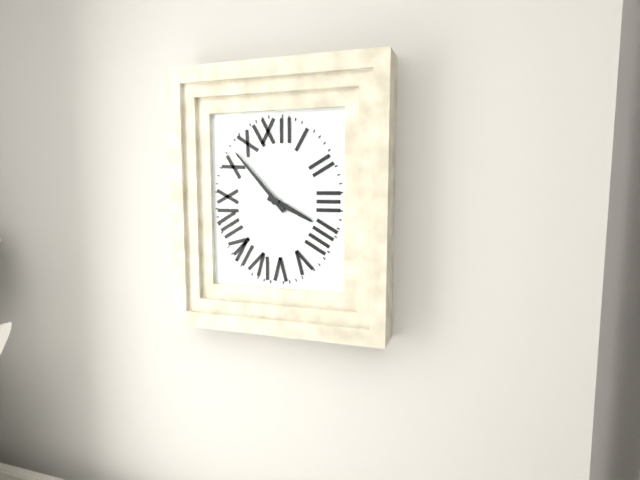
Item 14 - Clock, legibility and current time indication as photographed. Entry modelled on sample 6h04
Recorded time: 3h53
